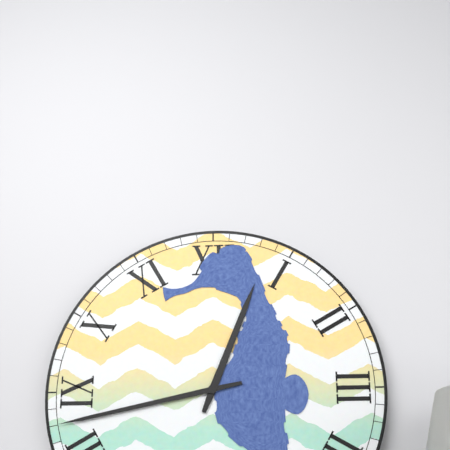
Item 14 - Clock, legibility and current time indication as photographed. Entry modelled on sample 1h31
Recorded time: 12h43
